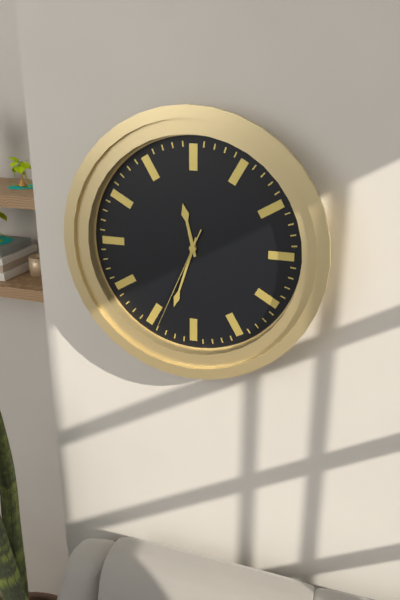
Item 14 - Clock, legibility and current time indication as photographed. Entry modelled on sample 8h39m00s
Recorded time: 11h33m34s
